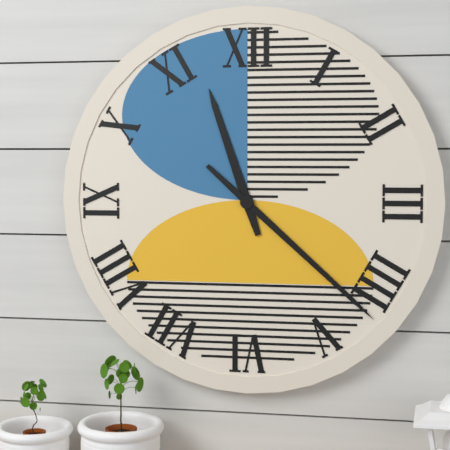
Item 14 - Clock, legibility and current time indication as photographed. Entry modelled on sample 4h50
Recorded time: 11h22
